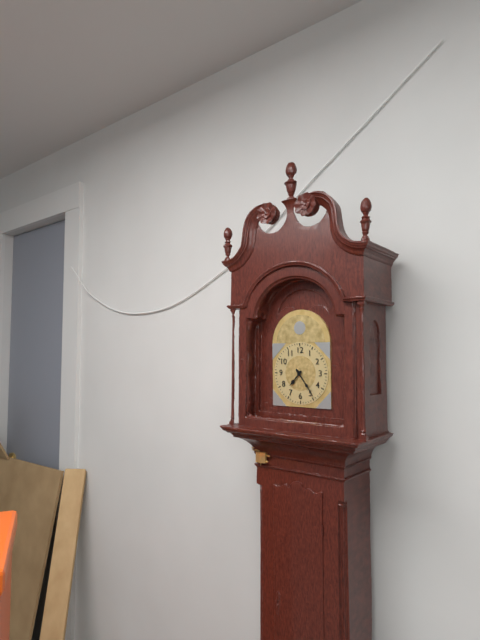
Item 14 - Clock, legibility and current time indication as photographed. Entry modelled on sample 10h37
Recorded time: 7h24
